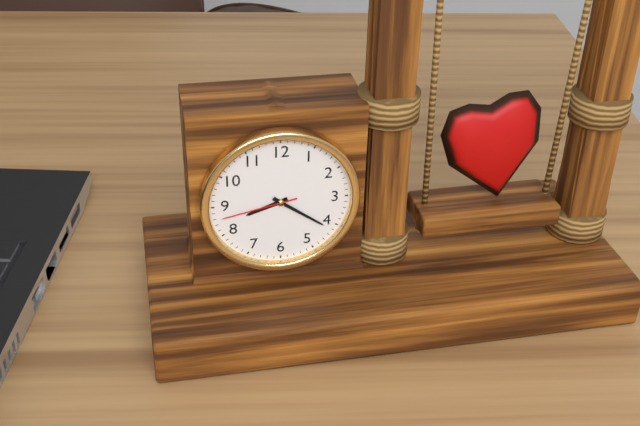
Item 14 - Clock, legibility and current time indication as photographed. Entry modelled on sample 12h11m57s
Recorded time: 8h21m43s
